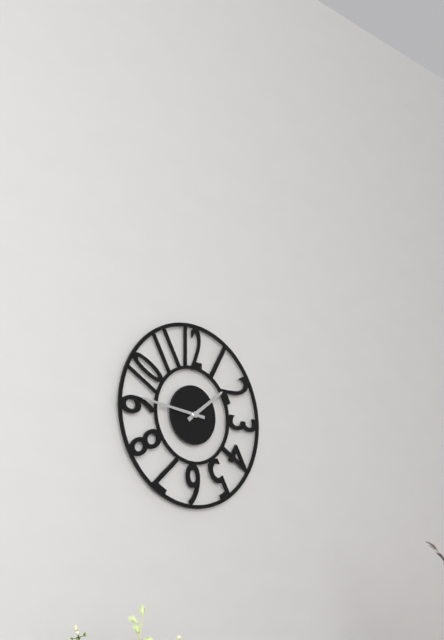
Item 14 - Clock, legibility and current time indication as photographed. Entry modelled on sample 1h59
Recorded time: 1h46
